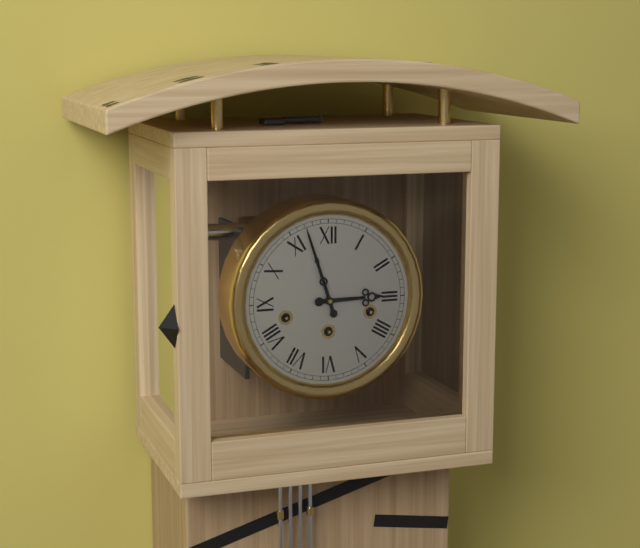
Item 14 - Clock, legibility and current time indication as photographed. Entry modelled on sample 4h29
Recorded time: 2h57
